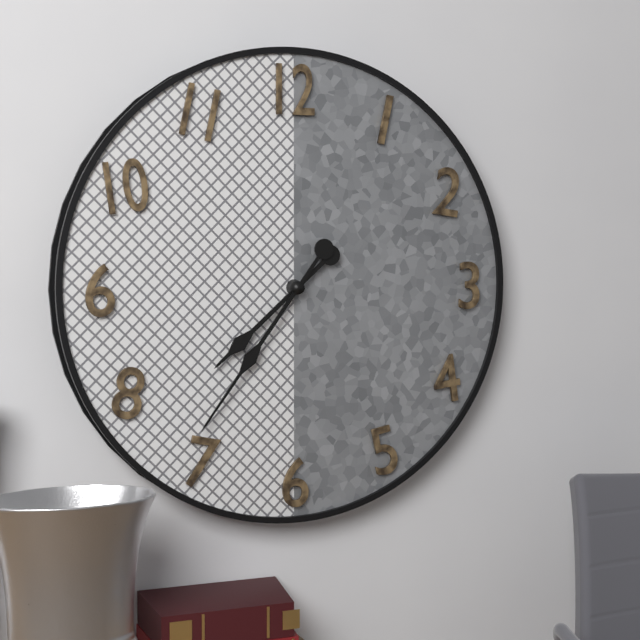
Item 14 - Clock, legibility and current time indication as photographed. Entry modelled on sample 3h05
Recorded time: 7h36
